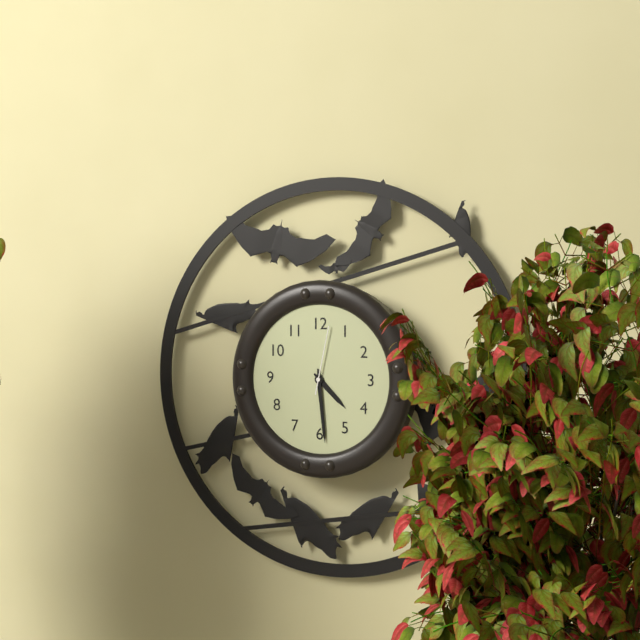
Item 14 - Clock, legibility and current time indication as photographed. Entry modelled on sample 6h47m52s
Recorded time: 4h29m02s
